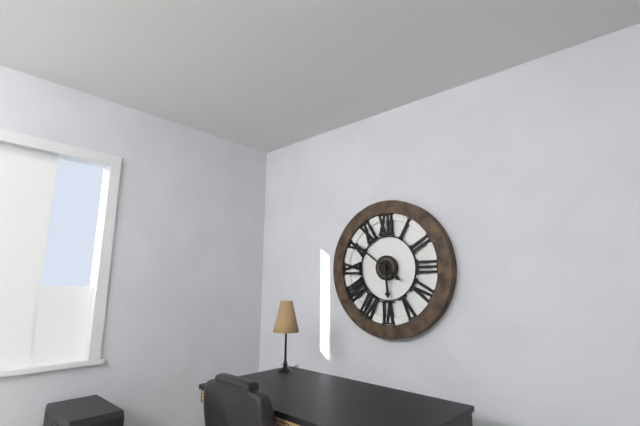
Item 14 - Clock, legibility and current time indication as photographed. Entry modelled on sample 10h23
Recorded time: 5h51
